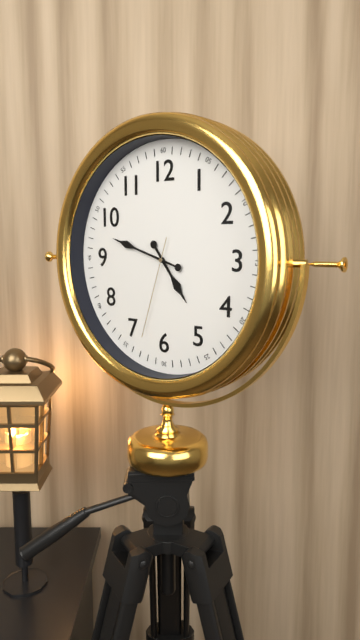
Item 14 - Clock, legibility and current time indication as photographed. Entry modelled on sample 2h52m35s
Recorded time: 4h48m33s
